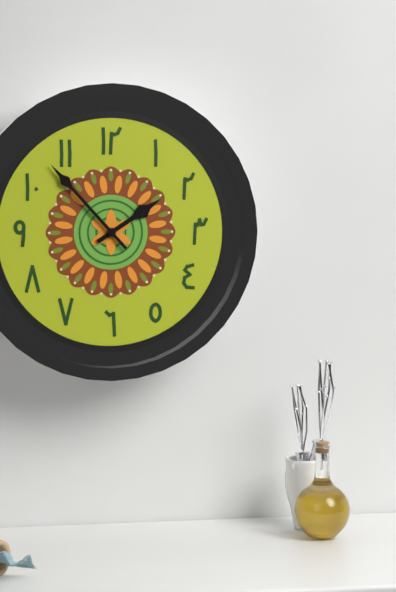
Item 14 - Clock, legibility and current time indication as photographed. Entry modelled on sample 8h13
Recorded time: 1h53
